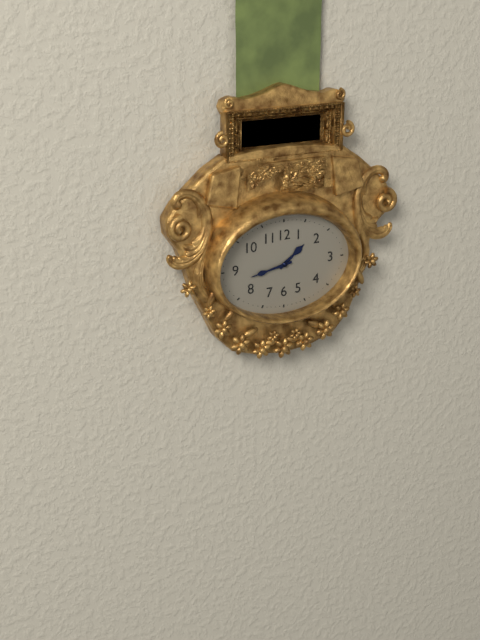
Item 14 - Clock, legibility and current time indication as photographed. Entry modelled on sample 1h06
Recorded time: 1h43
